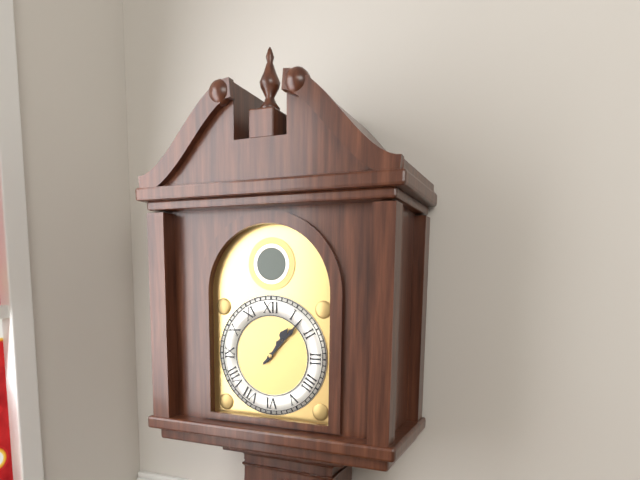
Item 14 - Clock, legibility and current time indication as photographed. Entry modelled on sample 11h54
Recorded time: 1h07
